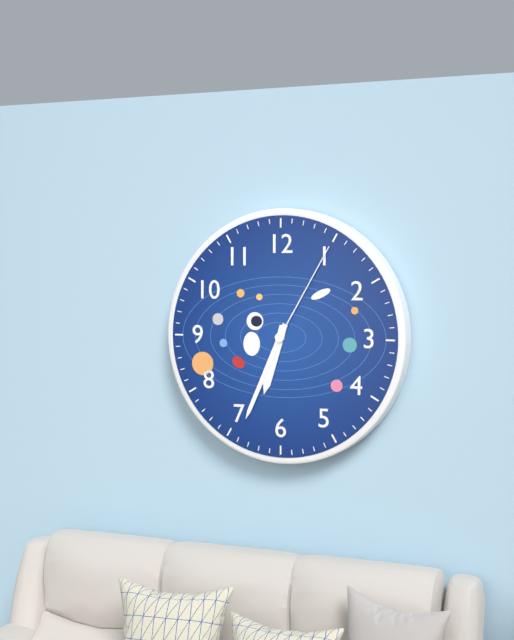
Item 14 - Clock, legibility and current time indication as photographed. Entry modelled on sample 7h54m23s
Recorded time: 6h34m05s
